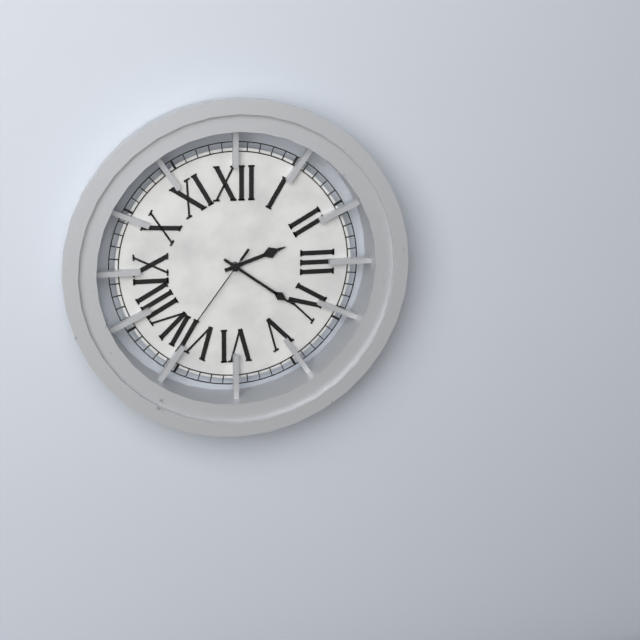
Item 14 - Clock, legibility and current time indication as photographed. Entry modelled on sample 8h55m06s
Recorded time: 2h21m36s
